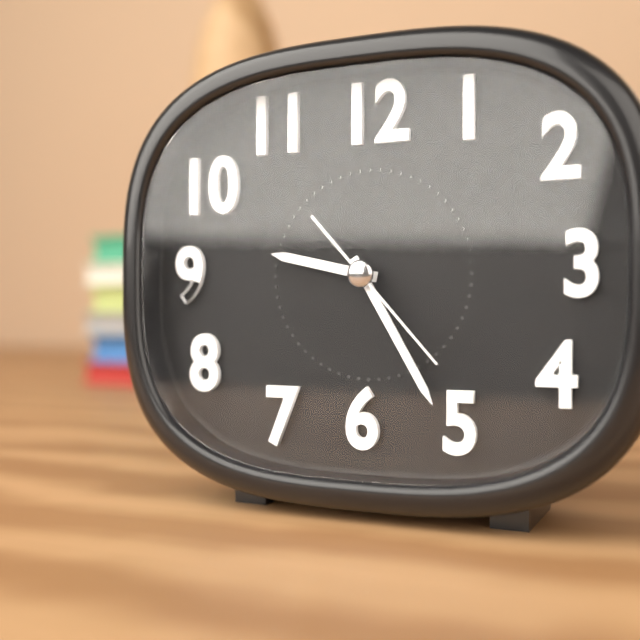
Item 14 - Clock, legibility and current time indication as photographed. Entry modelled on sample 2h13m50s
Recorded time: 9h25m23s
